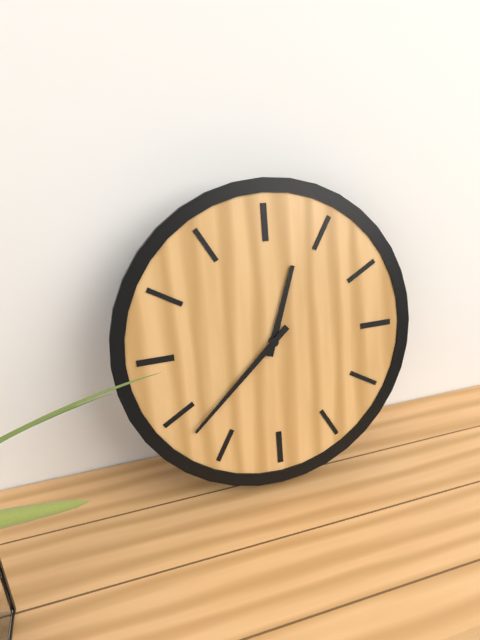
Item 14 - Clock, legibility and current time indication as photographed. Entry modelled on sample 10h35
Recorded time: 12h38
